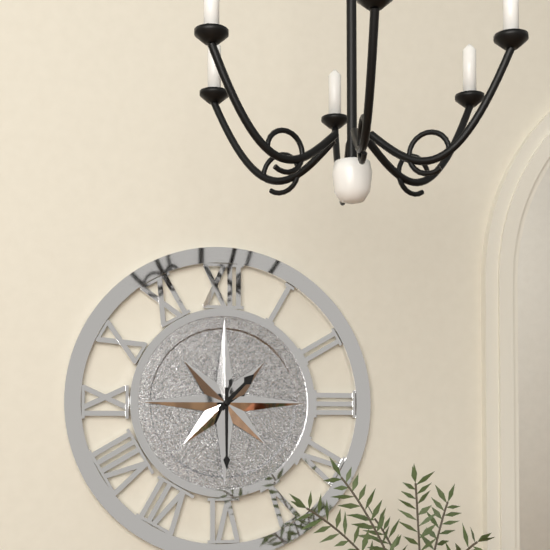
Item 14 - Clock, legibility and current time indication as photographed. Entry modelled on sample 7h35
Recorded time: 1h30
